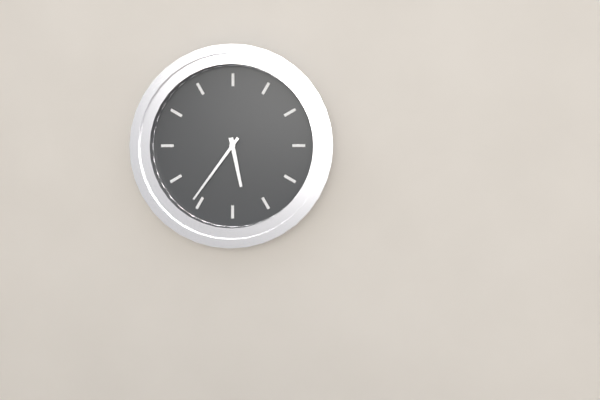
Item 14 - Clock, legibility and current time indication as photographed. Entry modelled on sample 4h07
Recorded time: 5h36
